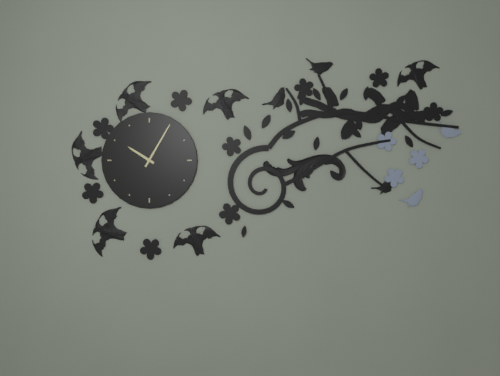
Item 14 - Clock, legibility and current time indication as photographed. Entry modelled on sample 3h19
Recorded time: 10h05
